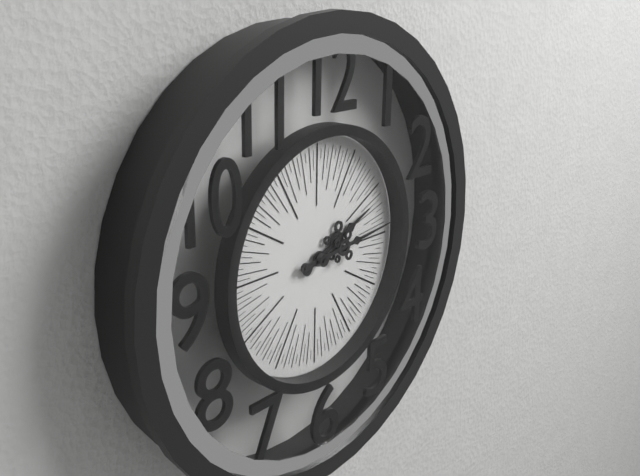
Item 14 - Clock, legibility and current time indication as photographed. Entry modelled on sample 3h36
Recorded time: 2h14
